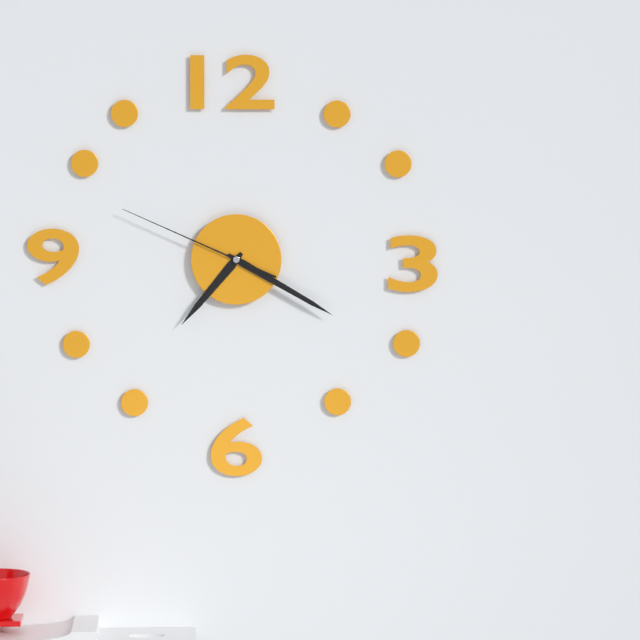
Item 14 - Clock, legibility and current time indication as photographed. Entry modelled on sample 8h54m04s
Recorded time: 7h20m49s
